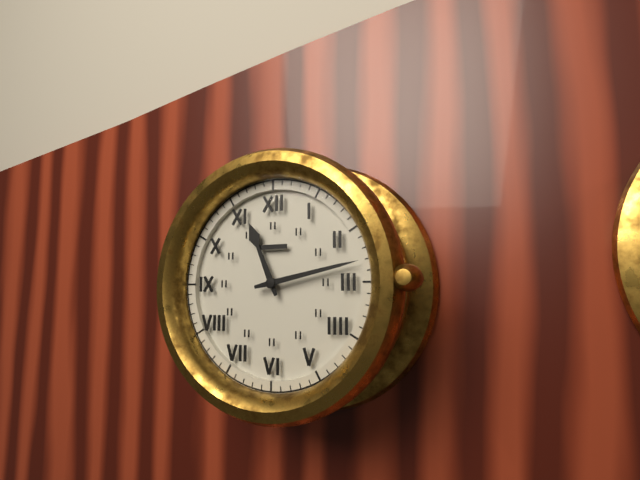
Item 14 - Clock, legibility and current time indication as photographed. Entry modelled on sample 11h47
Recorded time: 11h13
